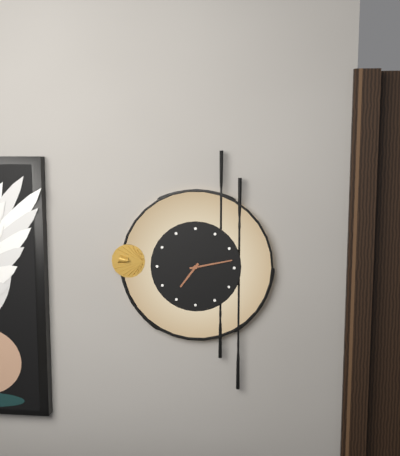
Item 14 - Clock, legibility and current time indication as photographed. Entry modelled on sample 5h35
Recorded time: 7h13
